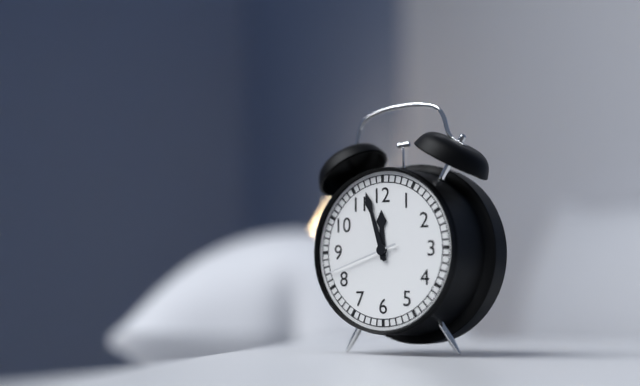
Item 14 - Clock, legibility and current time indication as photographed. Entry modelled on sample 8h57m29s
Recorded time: 11h57m42s
